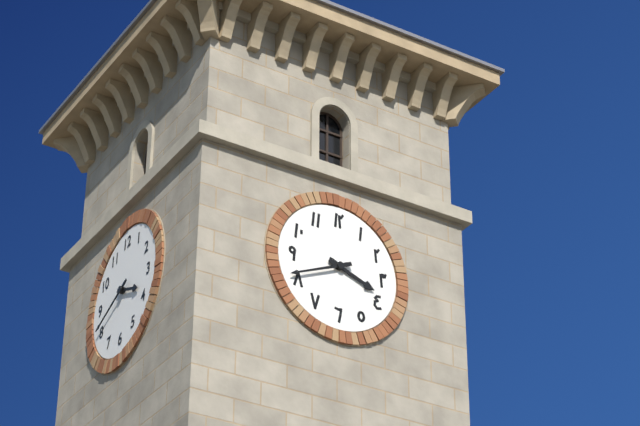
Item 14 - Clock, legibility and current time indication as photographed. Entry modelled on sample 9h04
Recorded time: 3h41
